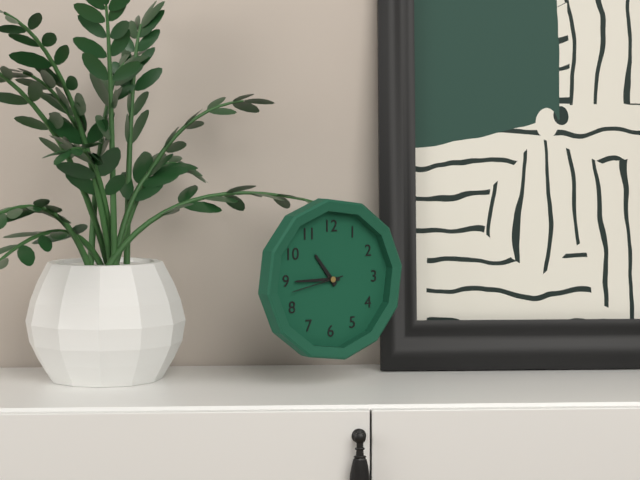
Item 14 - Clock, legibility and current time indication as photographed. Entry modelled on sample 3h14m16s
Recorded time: 10h45m43s
